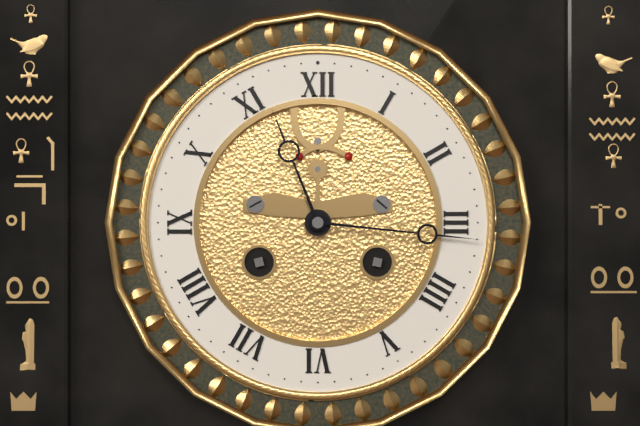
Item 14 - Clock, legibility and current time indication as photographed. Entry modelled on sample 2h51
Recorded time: 11h16
